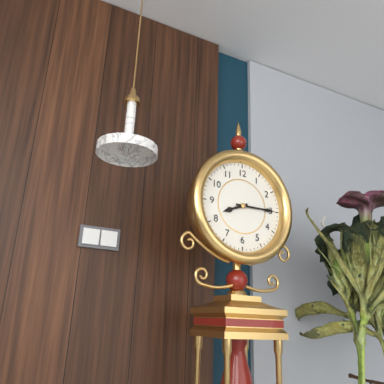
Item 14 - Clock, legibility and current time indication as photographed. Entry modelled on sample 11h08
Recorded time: 8h15
